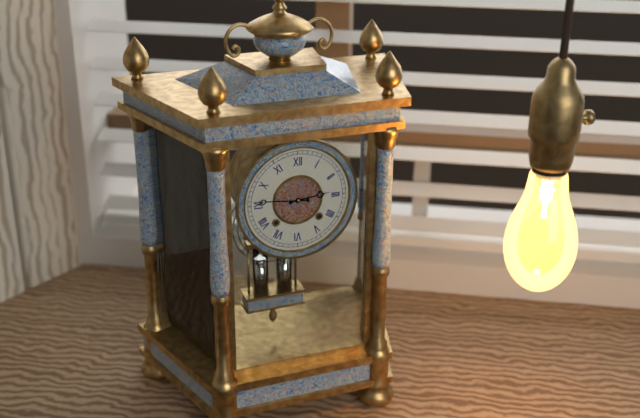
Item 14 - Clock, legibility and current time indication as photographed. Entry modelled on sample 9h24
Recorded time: 2h46
